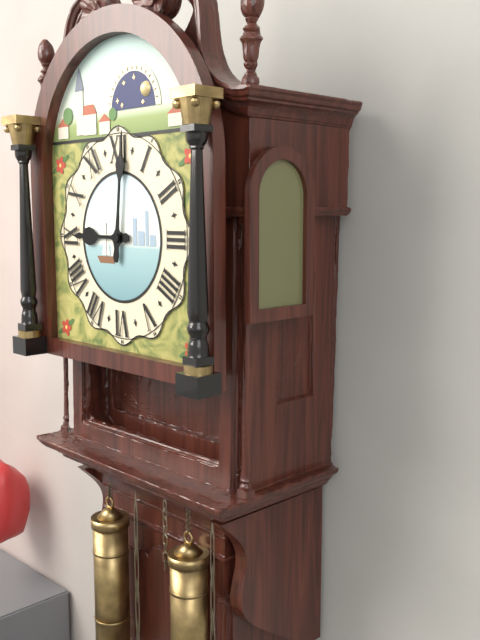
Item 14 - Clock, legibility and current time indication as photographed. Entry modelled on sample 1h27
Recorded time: 9h01
